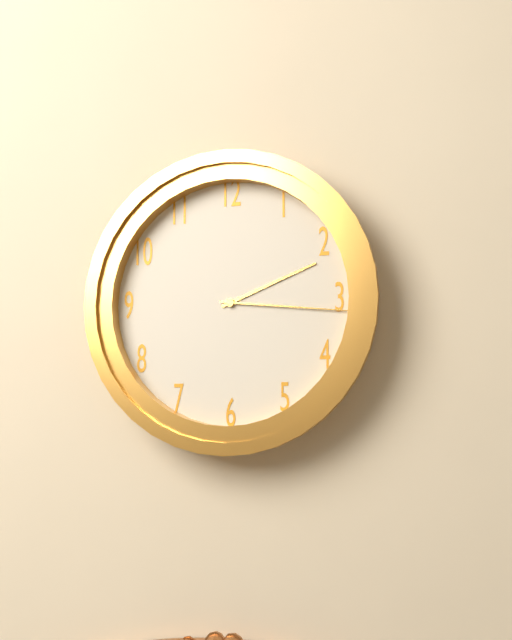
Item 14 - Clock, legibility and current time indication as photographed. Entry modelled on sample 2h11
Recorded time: 2h16
